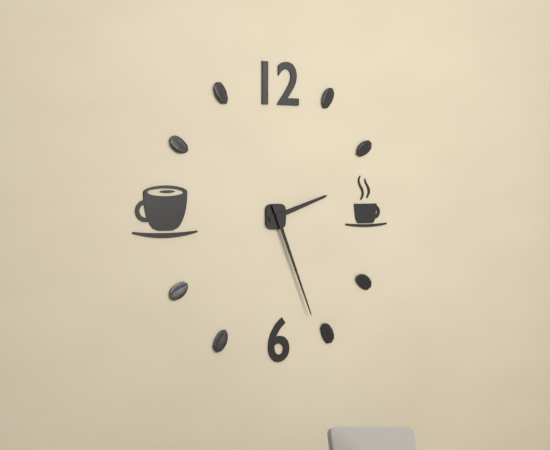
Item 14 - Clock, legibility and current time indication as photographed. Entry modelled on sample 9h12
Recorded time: 2h26
